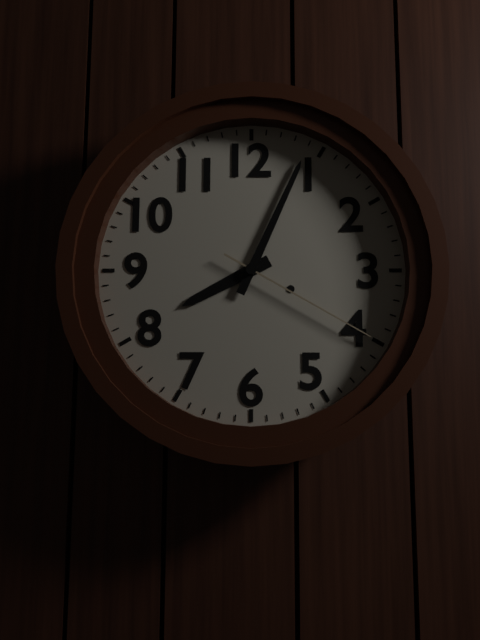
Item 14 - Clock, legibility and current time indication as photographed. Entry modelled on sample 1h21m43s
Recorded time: 8h04m20s
